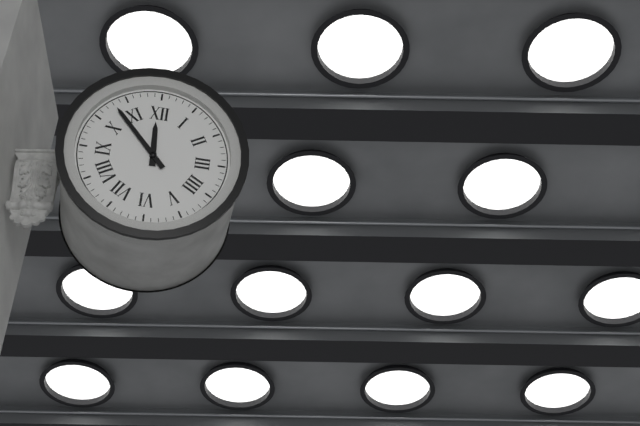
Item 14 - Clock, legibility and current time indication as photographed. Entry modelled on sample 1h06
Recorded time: 11h53
